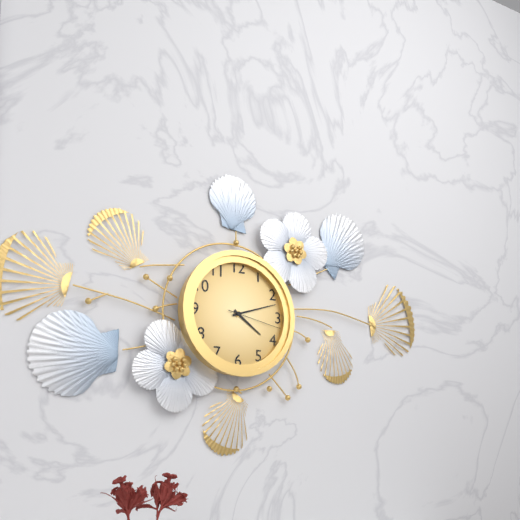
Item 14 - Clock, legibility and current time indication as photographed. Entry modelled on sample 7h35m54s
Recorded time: 4h12m17s
